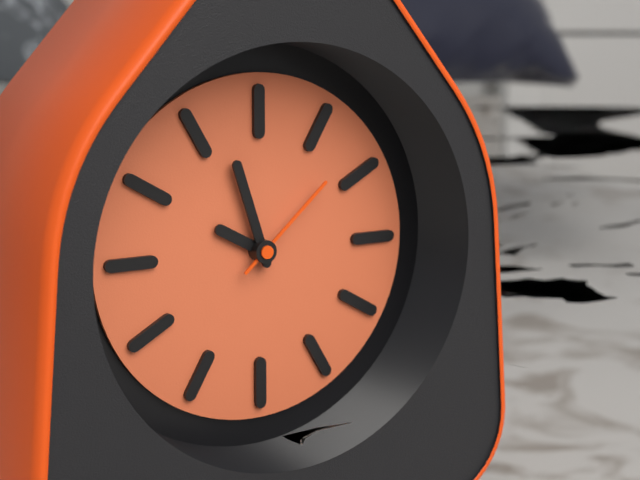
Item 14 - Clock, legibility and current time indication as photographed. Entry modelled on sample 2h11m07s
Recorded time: 9h57m08s
